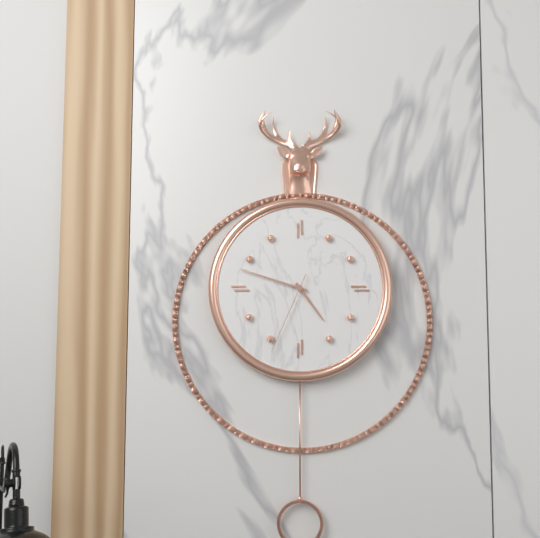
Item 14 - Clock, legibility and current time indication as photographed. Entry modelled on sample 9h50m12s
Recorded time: 4h48m34s
